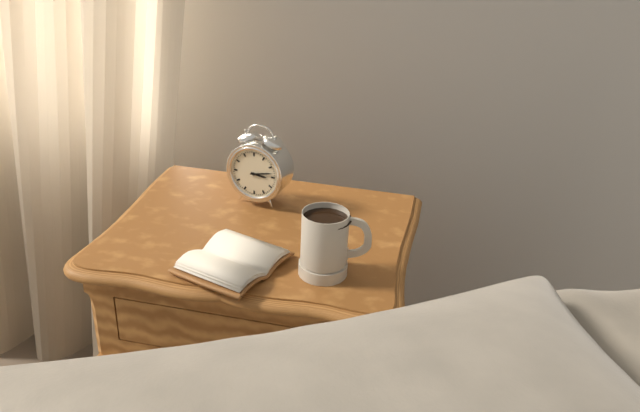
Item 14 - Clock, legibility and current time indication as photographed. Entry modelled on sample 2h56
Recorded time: 3h13
